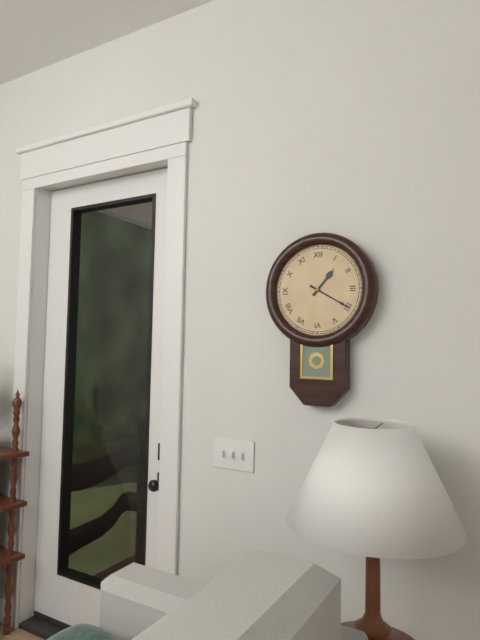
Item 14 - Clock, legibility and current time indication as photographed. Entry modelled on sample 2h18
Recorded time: 1h20
